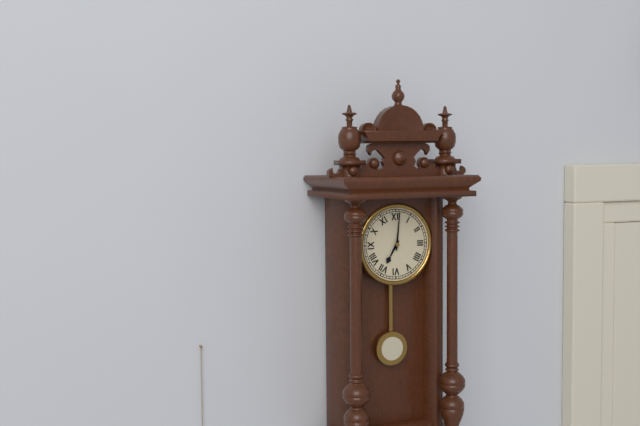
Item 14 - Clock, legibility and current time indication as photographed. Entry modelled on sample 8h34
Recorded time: 7h01
